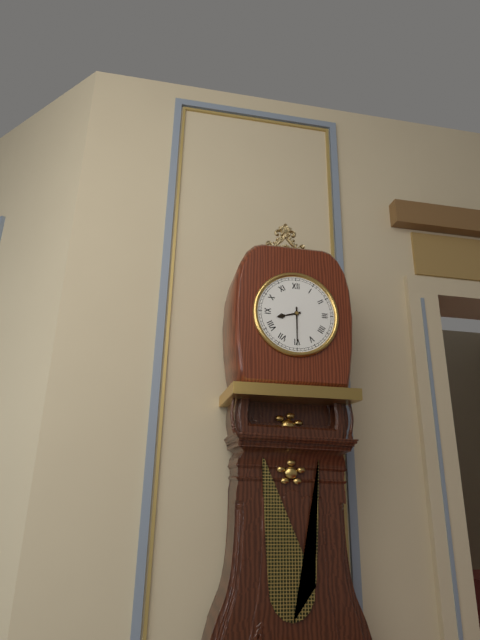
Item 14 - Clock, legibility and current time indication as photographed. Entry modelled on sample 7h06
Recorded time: 8h30
